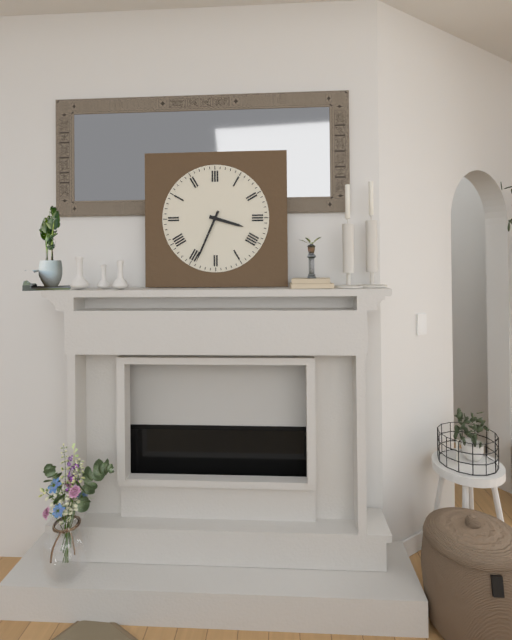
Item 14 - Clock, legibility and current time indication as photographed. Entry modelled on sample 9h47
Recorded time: 3h34
